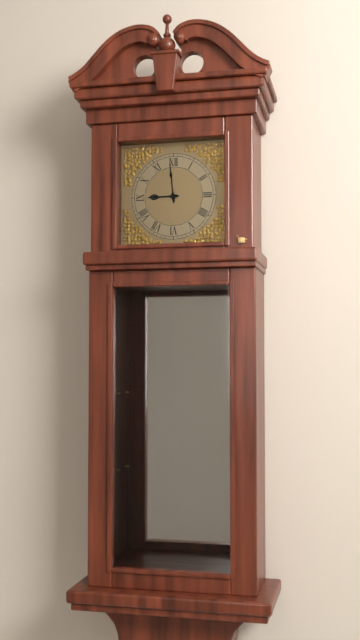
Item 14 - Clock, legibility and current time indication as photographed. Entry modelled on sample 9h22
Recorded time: 8h59
